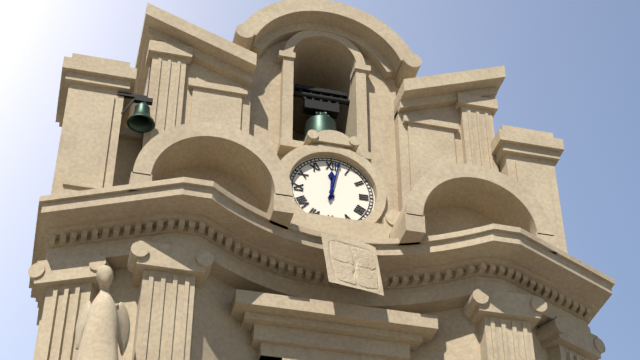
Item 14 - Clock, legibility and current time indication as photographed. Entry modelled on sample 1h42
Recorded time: 12h02
